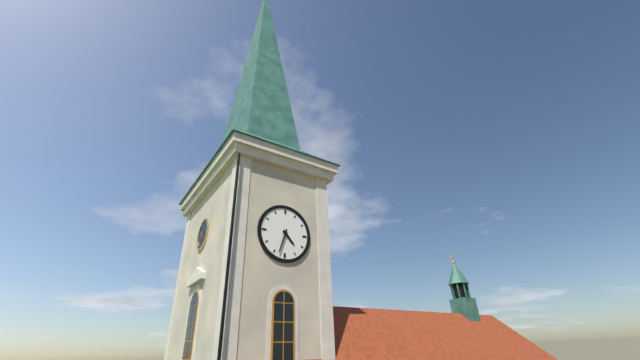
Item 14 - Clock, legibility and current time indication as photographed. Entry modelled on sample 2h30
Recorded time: 4h33
